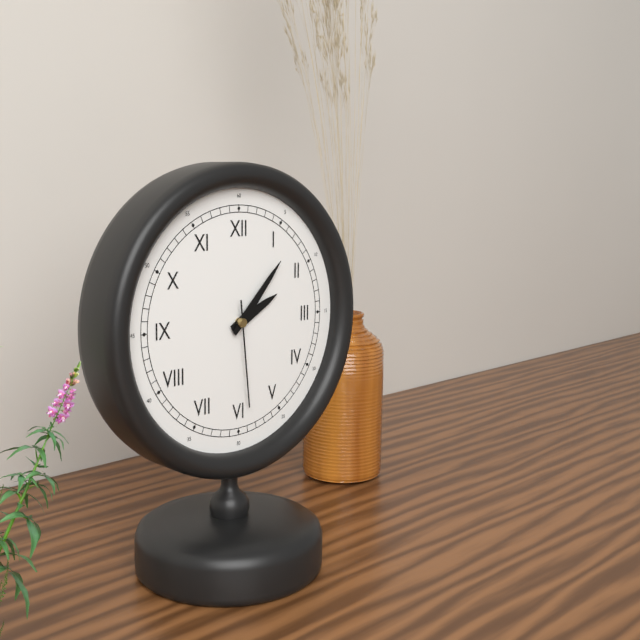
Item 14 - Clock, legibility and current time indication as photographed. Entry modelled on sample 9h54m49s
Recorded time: 2h07m29s
